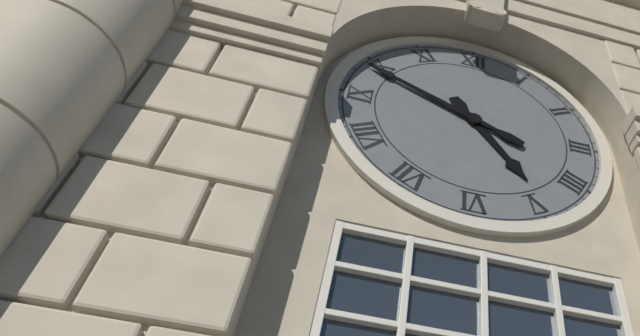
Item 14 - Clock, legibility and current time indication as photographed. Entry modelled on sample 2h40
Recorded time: 4h49
